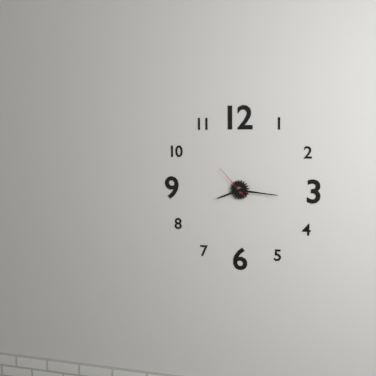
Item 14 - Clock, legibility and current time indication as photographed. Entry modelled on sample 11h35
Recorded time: 8h16
